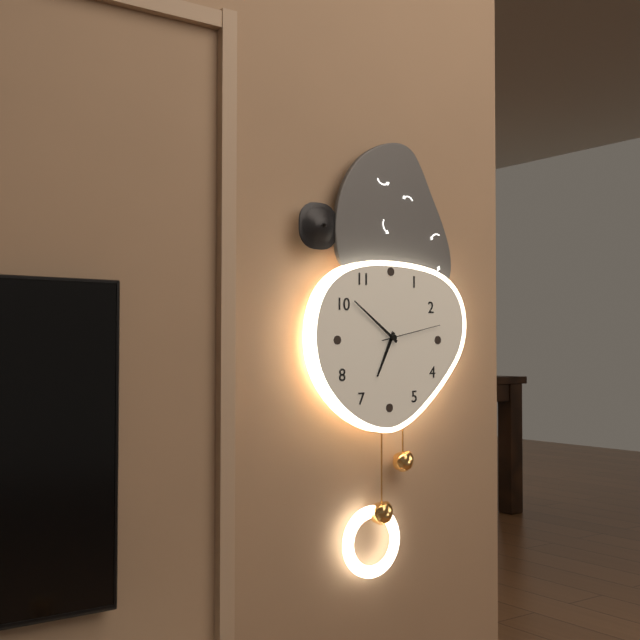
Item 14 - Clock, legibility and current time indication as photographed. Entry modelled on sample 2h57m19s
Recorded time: 6h51m13s
